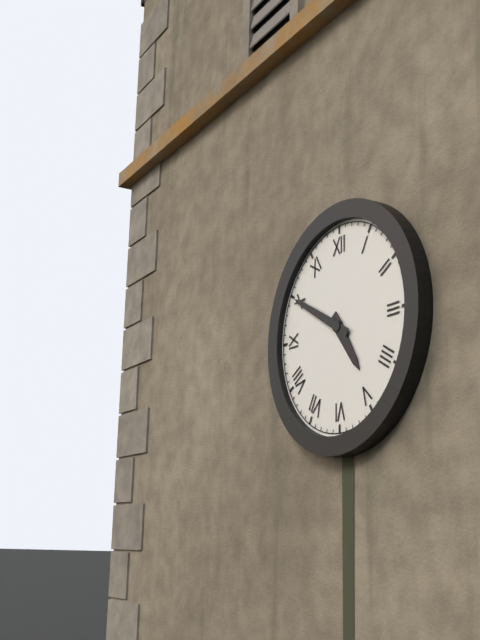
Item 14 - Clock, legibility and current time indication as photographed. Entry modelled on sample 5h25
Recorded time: 4h50
